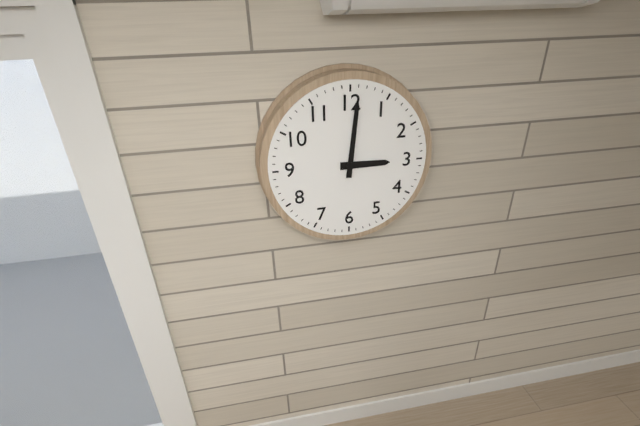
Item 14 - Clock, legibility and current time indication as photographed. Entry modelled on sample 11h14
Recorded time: 3h01
